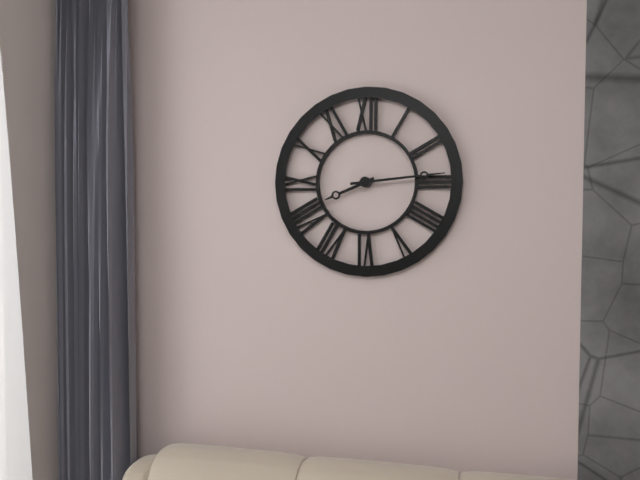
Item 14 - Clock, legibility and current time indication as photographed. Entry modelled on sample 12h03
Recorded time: 8h14
